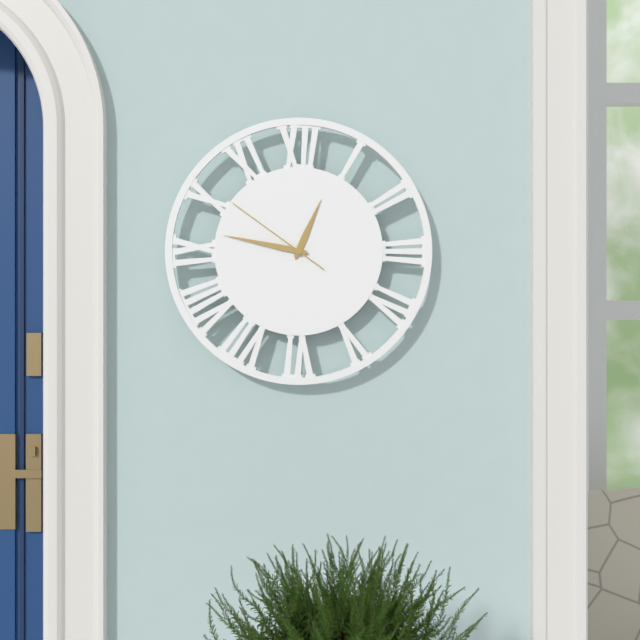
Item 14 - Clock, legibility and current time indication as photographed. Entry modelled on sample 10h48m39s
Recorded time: 12h47m51s
